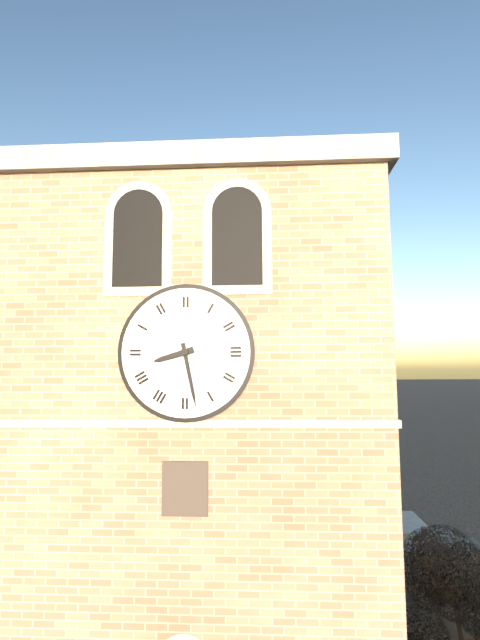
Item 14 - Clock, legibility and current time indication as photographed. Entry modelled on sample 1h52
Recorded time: 8h28
